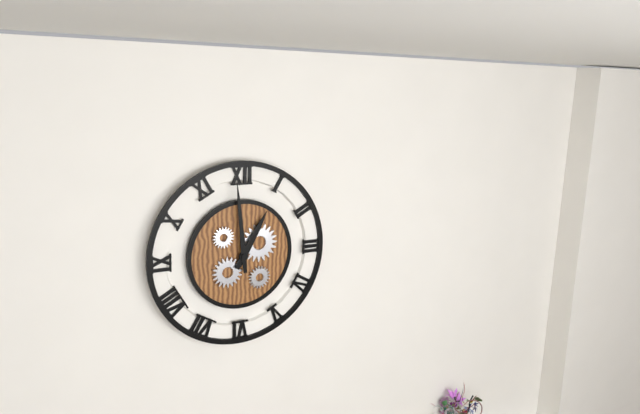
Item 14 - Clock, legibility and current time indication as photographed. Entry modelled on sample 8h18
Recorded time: 12h59
